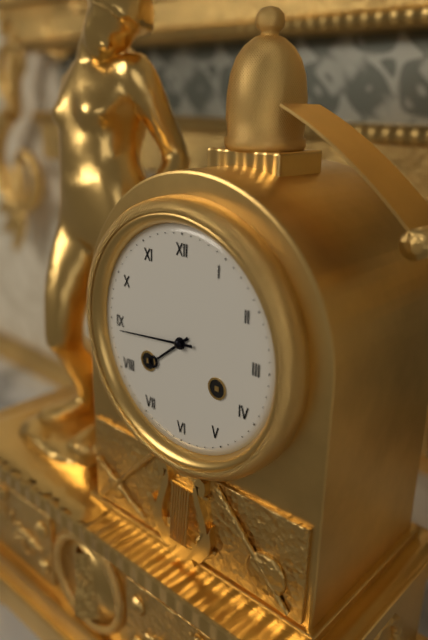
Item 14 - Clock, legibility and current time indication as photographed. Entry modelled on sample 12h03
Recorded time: 7h44
